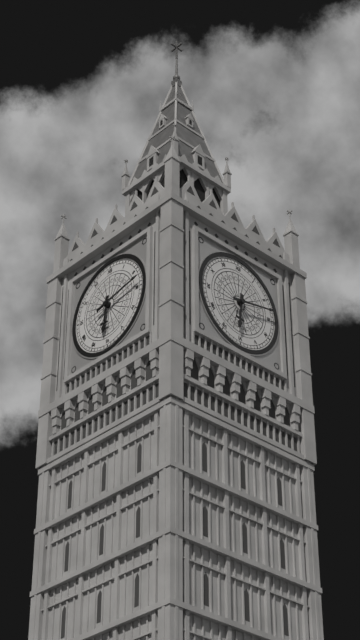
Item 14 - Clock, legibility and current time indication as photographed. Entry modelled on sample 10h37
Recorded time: 6h13
